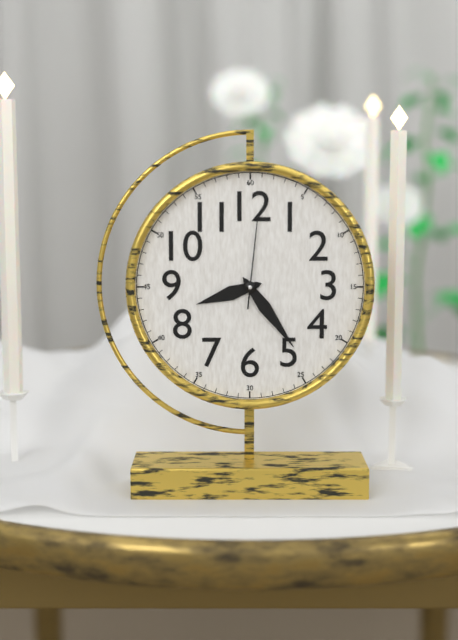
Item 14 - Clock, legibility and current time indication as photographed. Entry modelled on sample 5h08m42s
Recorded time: 8h24m01s
